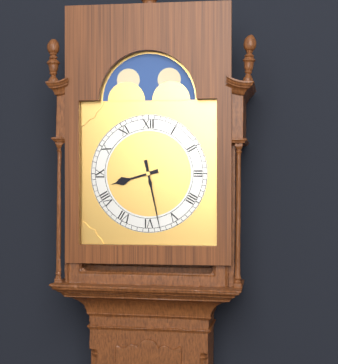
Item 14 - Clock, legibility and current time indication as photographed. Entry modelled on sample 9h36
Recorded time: 8h28
